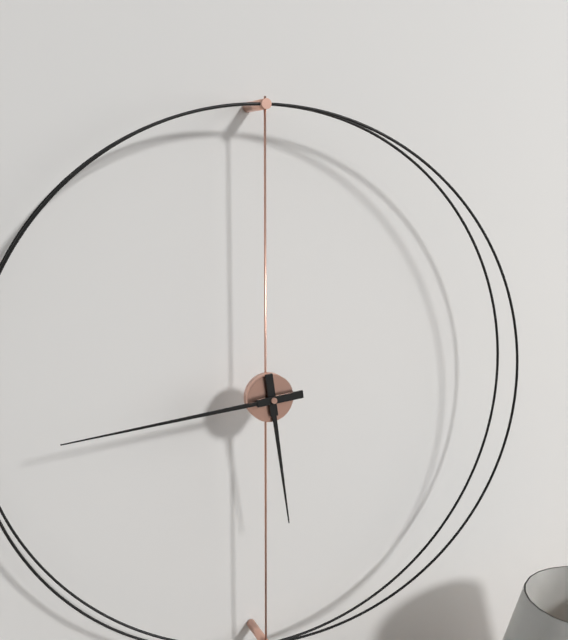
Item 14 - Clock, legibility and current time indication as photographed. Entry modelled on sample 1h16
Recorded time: 5h44
